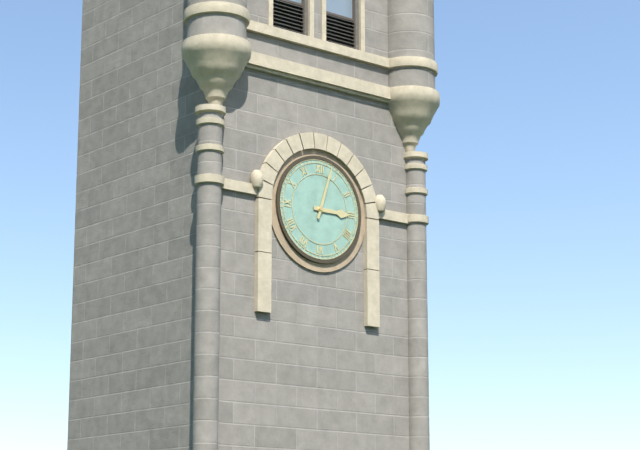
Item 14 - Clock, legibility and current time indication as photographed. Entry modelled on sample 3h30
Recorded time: 3h03
